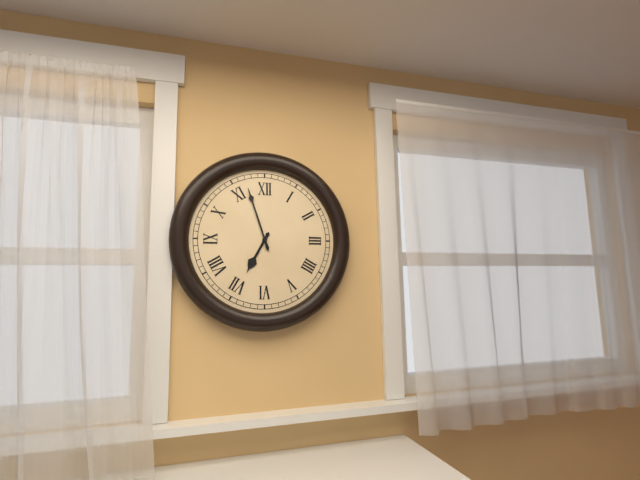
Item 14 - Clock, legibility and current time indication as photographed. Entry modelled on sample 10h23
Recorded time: 6h57
